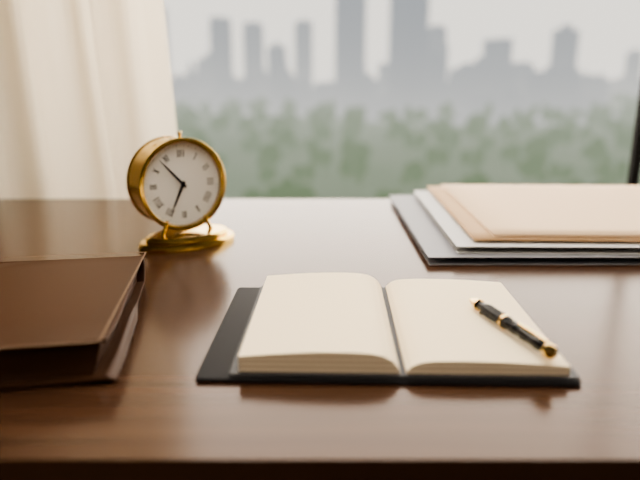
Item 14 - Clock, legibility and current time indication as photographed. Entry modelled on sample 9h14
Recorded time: 6h53
